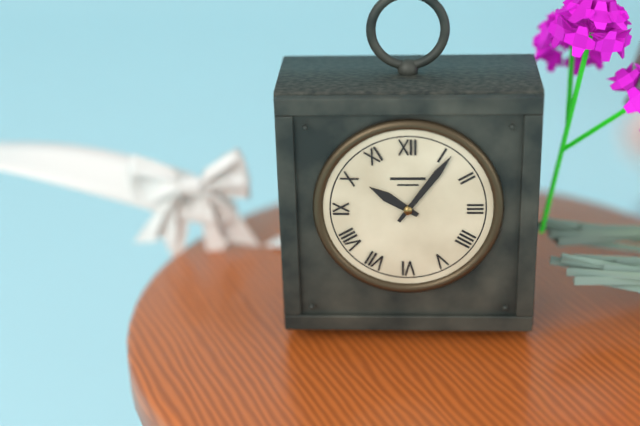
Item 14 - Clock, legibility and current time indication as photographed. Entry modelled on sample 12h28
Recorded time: 10h06
